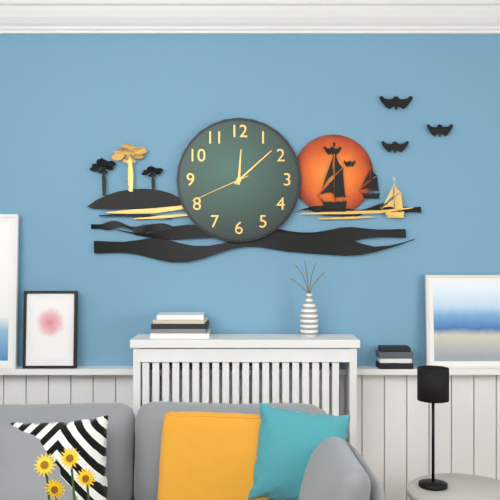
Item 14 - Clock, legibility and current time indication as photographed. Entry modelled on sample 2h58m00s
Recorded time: 12h08m41s
